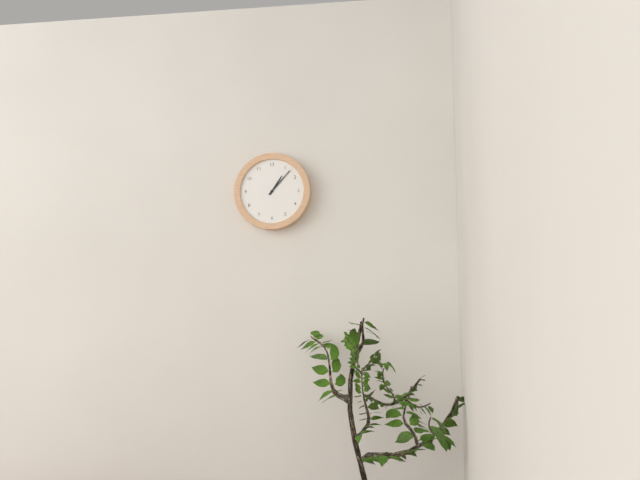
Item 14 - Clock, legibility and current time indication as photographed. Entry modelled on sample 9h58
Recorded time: 1h07
